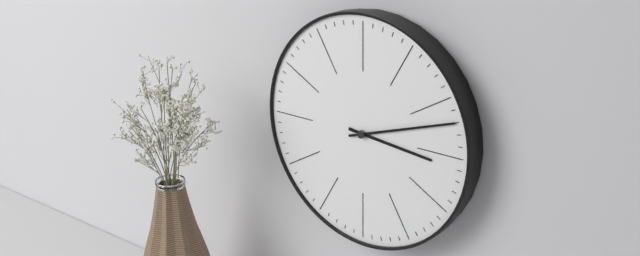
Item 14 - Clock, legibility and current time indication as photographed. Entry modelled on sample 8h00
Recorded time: 3h12
